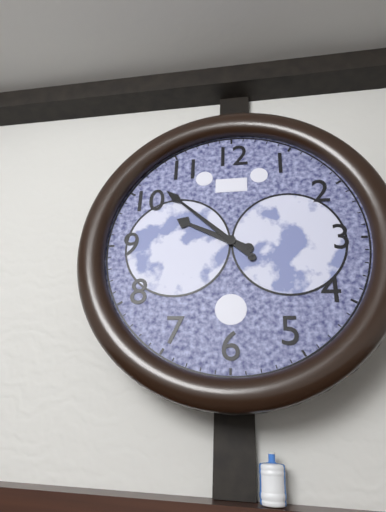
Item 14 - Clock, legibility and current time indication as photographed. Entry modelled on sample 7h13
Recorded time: 9h52
